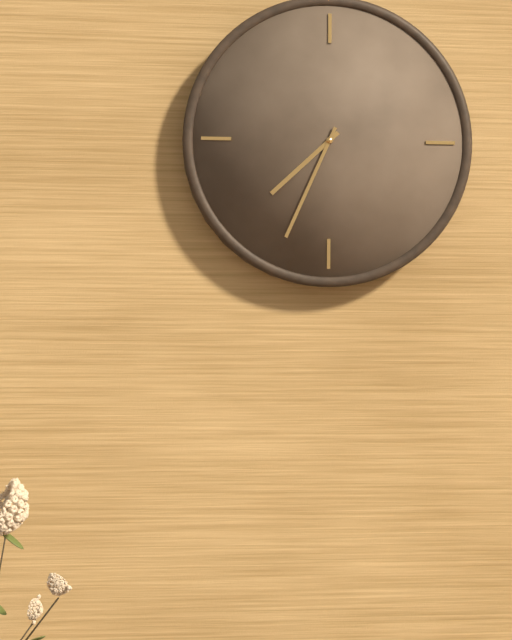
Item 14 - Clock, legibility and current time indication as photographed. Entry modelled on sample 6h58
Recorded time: 7h34
